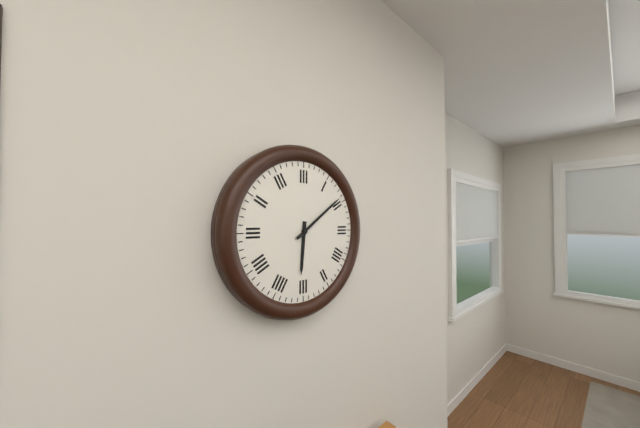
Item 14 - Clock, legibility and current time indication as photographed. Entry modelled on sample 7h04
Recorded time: 6h09
